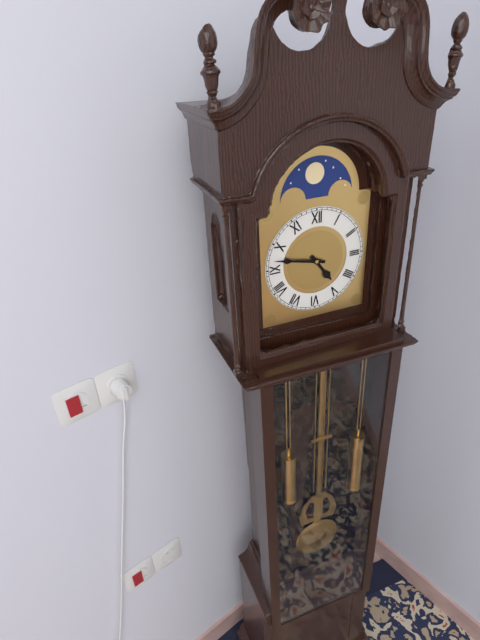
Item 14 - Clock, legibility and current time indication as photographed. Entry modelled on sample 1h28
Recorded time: 4h47
